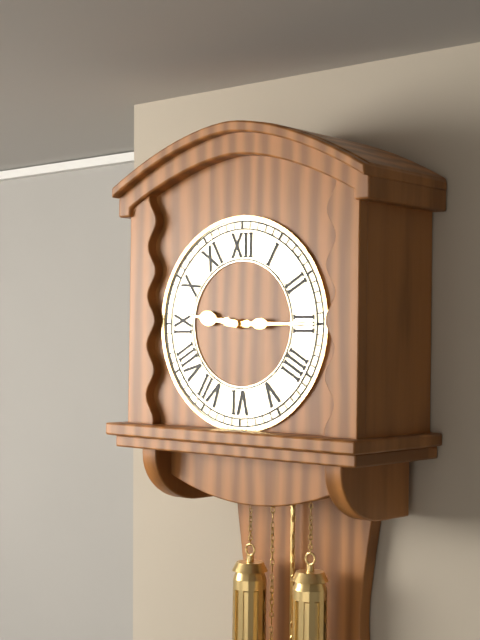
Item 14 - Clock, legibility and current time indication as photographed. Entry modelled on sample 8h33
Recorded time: 9h15
